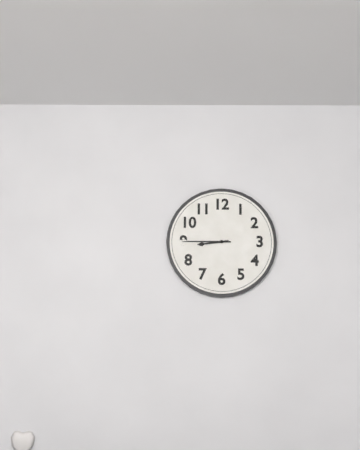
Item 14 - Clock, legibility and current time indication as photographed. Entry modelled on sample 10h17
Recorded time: 8h45
